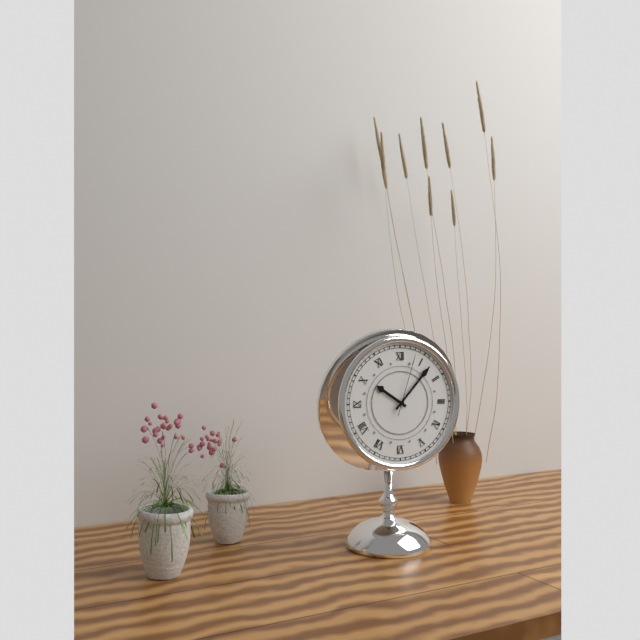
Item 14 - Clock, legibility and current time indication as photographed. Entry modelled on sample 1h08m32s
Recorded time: 10h07m03s
